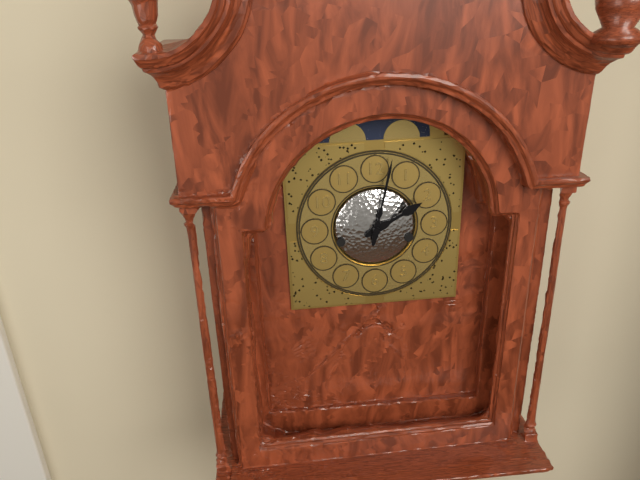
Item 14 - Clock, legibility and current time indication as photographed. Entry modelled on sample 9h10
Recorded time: 2h02
